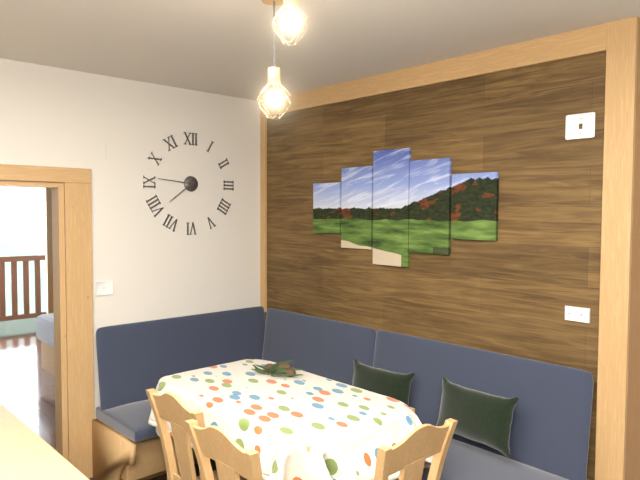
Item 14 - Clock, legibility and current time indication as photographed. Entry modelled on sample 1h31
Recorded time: 7h46
